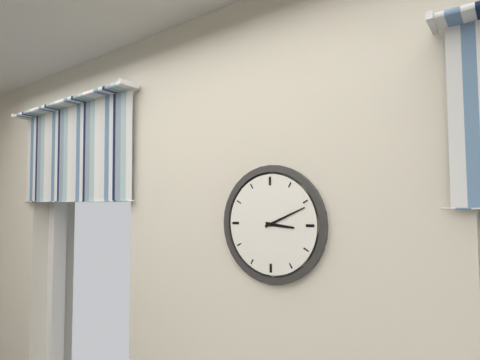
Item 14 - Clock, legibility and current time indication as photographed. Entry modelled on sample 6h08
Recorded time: 3h11
